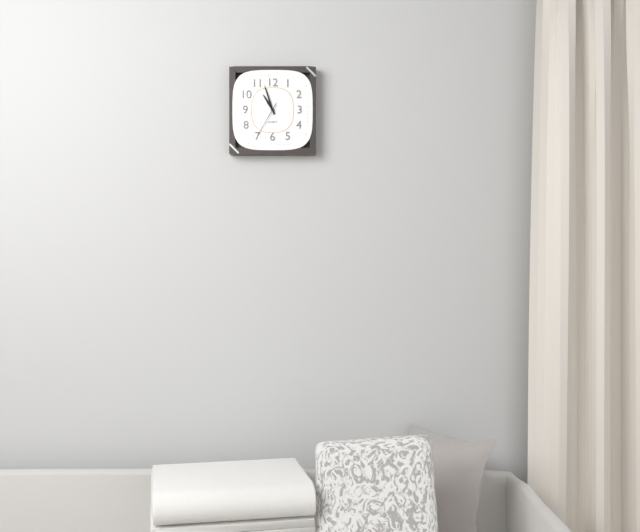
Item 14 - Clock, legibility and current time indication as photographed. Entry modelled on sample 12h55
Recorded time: 10h57
